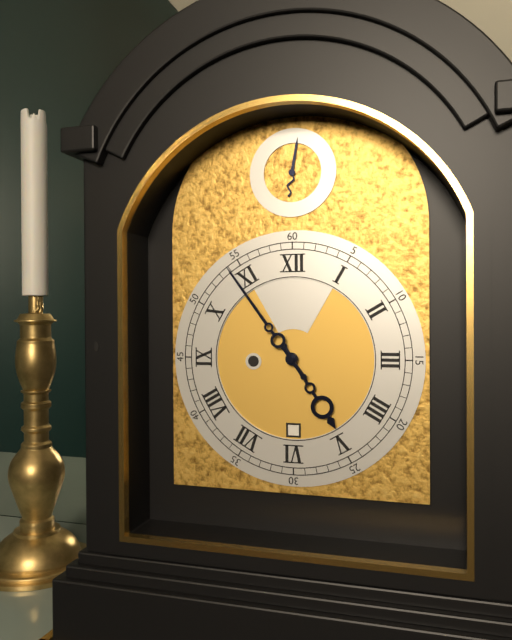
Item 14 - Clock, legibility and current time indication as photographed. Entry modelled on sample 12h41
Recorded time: 4h54
